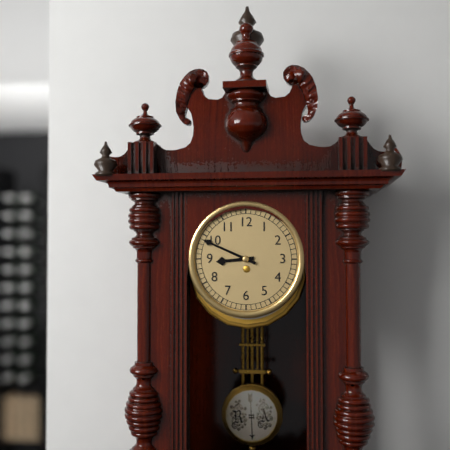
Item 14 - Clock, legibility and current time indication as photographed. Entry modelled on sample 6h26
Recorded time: 8h49
